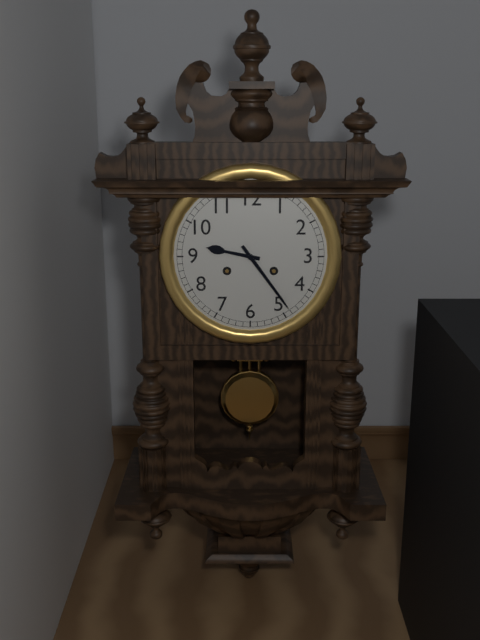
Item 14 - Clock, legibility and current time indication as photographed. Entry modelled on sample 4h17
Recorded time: 9h24
